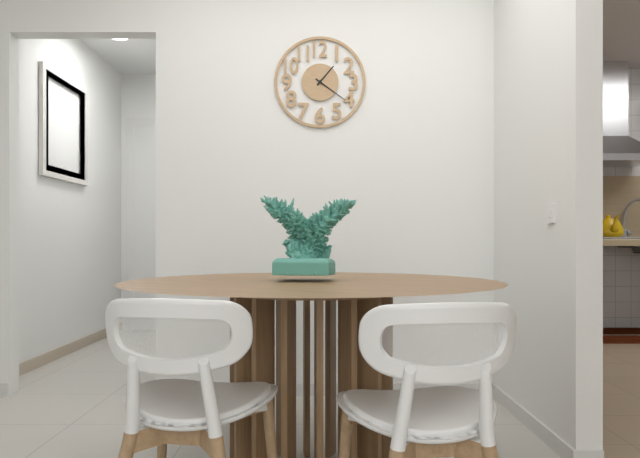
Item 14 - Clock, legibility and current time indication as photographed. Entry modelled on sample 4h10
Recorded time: 1h21
